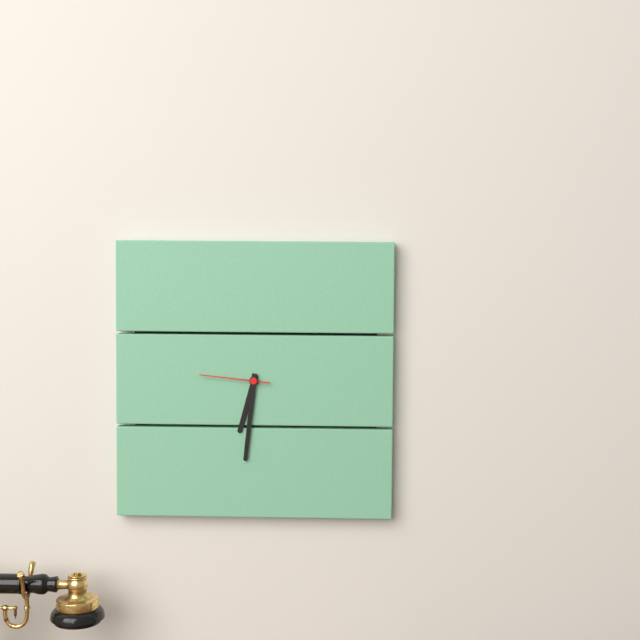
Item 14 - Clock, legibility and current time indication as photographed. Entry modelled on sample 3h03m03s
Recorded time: 6h31m46s
